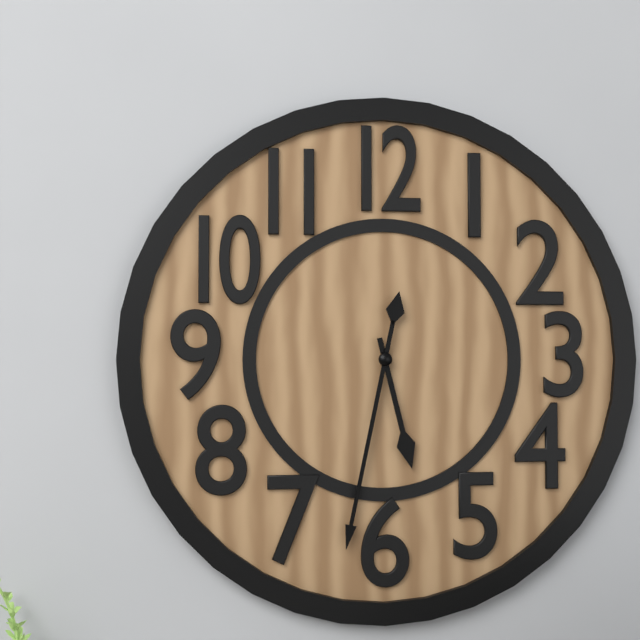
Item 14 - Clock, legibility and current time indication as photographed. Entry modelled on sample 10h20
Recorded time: 5h32
